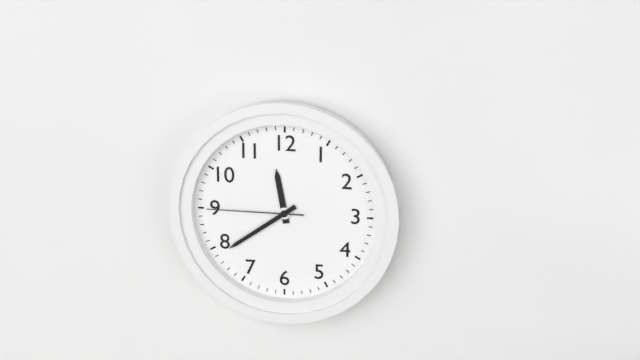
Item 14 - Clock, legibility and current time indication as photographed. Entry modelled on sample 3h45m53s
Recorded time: 11h39m45s
